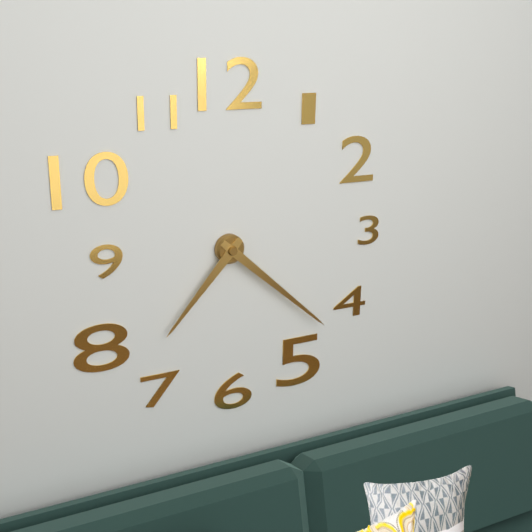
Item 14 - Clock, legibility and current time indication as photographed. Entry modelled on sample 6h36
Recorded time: 7h22
